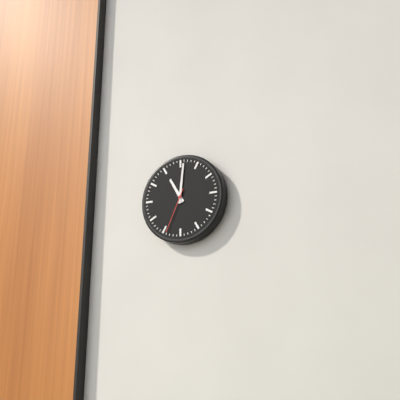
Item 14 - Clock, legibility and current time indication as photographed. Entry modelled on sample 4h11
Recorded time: 11h01
